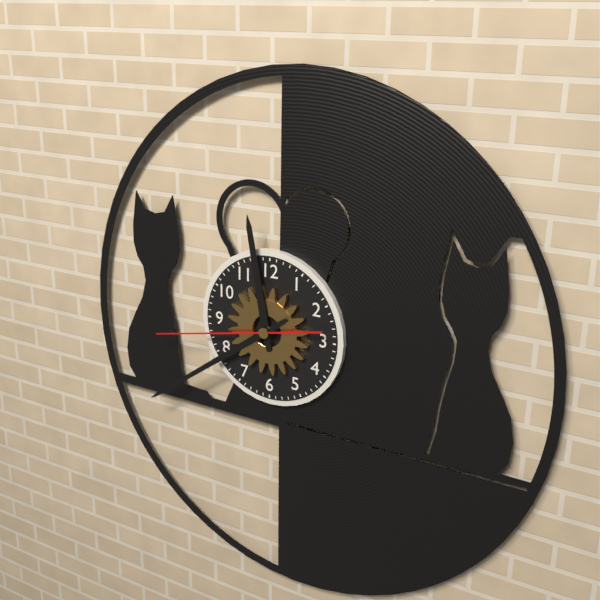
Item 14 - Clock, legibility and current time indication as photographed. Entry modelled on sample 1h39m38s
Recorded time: 11h39m43s
